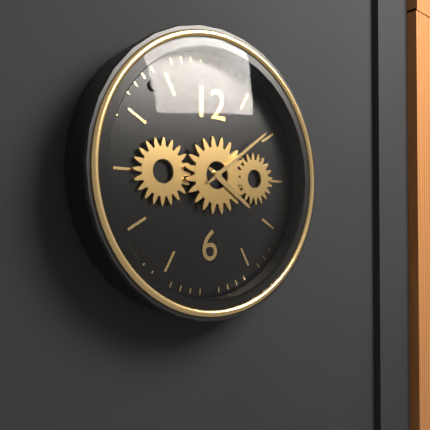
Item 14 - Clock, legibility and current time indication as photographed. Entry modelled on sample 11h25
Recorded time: 4h09
